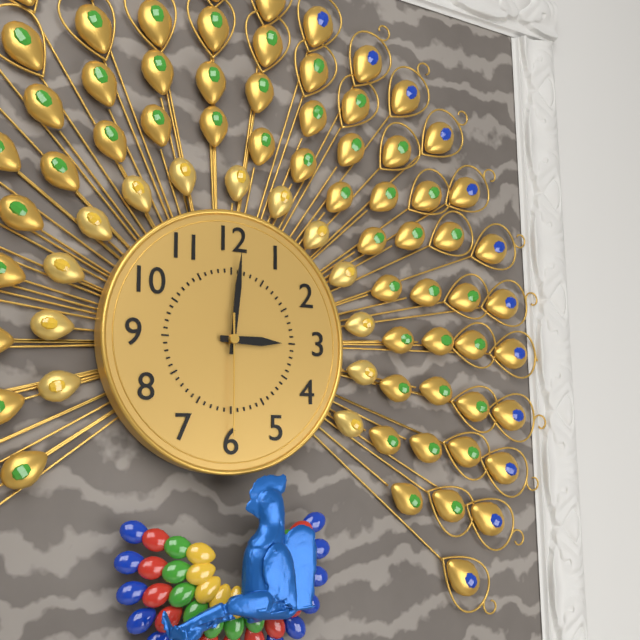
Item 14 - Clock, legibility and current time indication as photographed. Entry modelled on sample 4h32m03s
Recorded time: 3h01m30s
